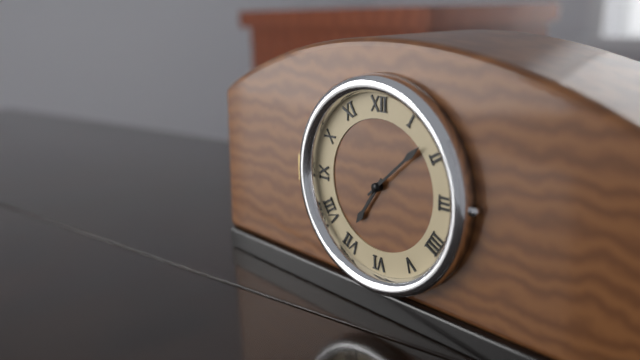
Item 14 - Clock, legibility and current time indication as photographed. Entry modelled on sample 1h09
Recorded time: 7h08
